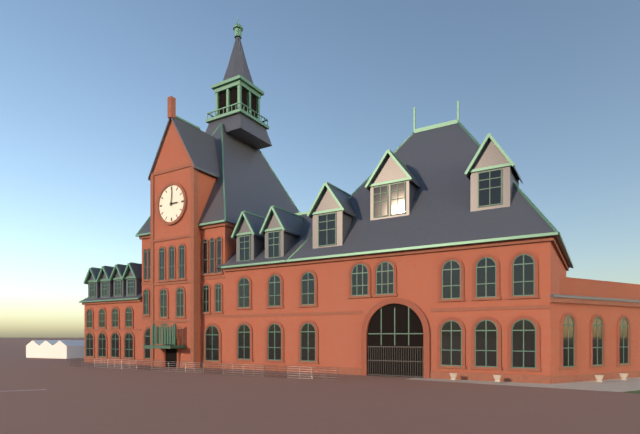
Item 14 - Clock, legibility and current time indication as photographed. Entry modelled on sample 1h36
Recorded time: 3h01
